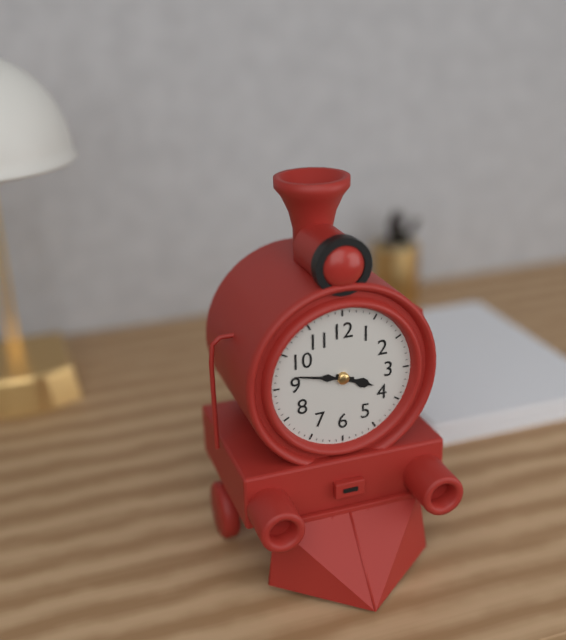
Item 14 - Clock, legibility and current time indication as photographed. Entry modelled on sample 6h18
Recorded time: 3h47
